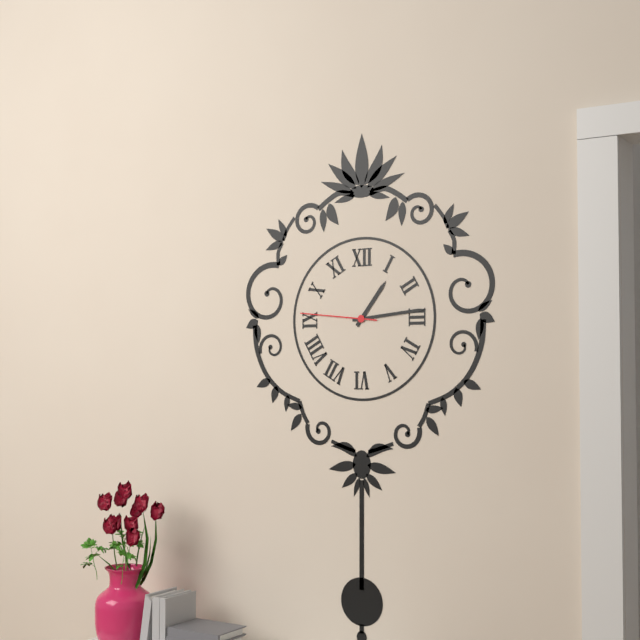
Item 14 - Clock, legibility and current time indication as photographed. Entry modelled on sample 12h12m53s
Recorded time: 1h14m46s
